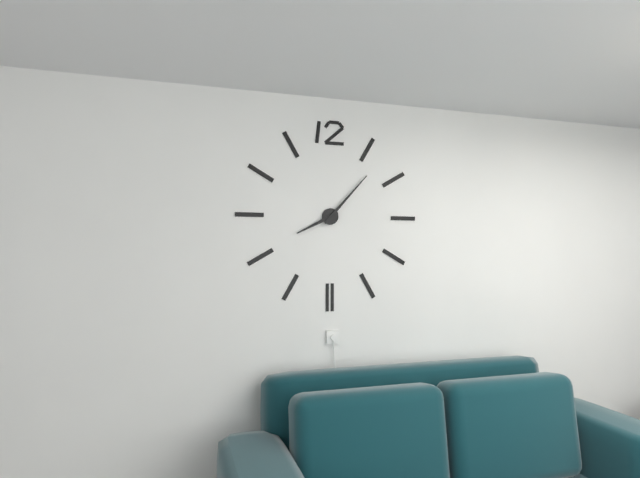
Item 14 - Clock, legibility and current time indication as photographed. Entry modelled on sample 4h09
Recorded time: 8h07
